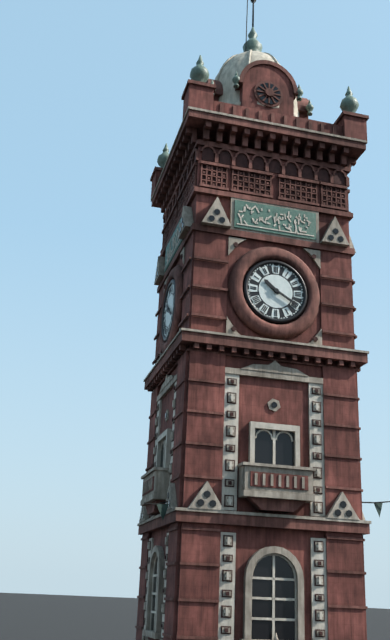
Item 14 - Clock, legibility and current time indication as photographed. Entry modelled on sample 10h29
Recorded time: 10h20
